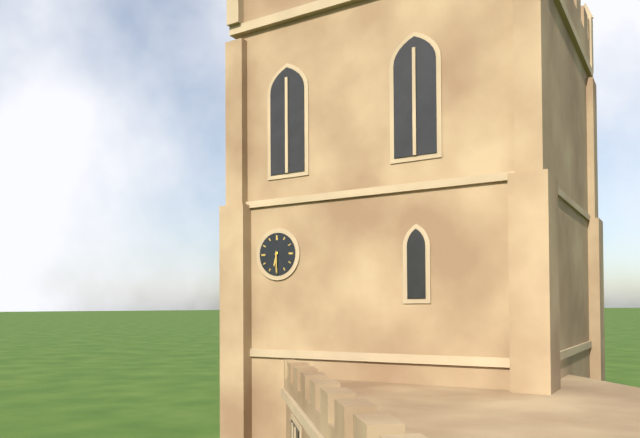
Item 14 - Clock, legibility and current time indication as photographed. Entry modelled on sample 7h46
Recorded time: 6h30
